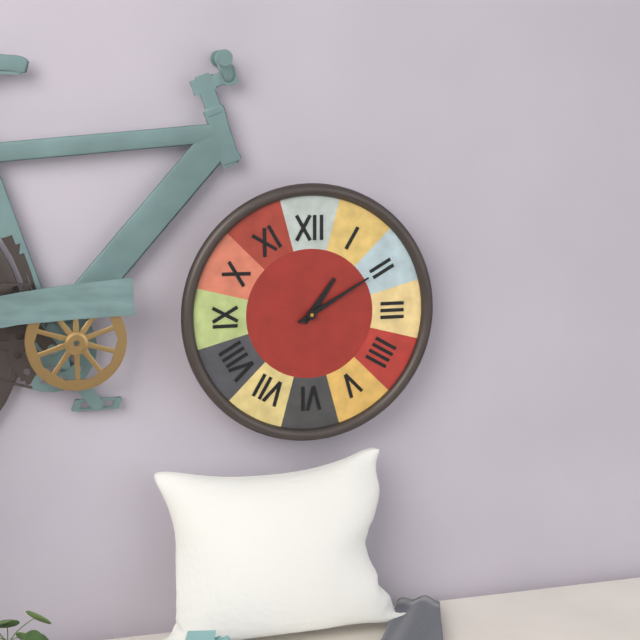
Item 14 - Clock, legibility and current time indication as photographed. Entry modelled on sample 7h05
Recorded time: 1h10
